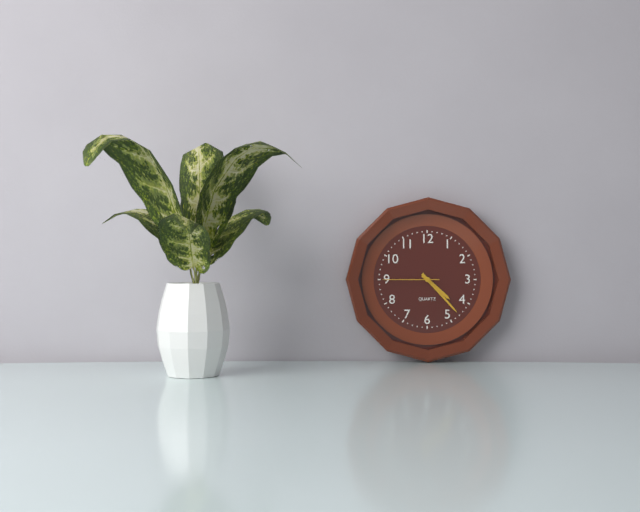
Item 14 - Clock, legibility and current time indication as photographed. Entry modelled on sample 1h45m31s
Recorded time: 4h23m45s
